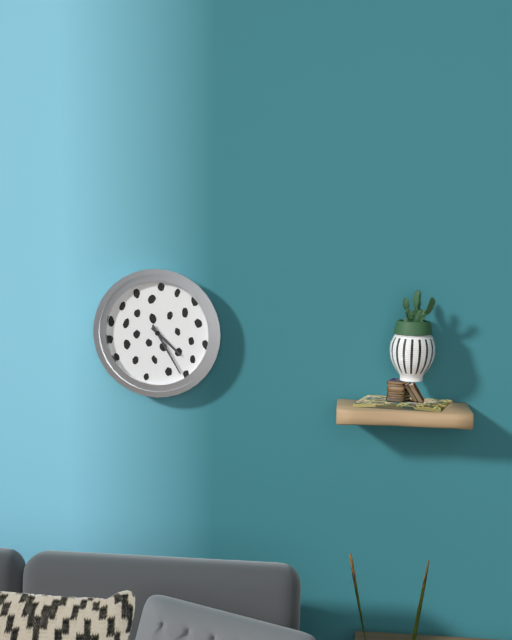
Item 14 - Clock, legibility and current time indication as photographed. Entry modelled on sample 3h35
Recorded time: 4h25
